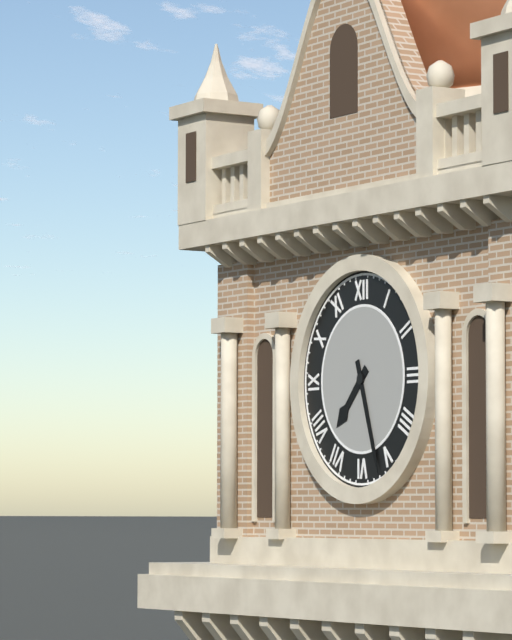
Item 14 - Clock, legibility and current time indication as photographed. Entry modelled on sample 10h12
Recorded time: 7h27
